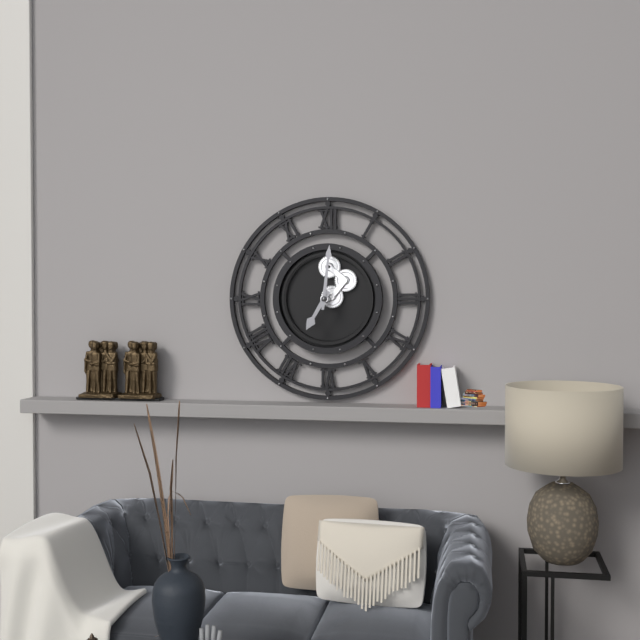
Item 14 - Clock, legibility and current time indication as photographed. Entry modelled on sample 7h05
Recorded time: 7h01
